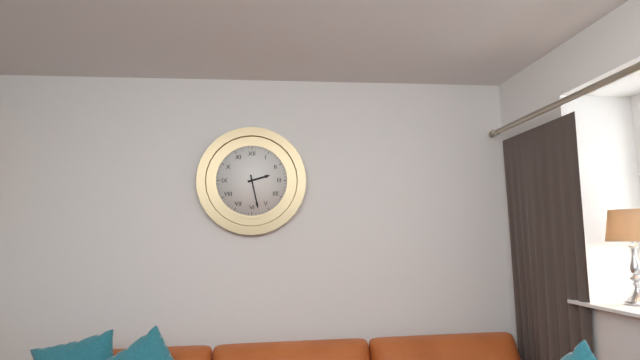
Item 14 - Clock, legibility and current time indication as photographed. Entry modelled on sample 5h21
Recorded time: 2h28
